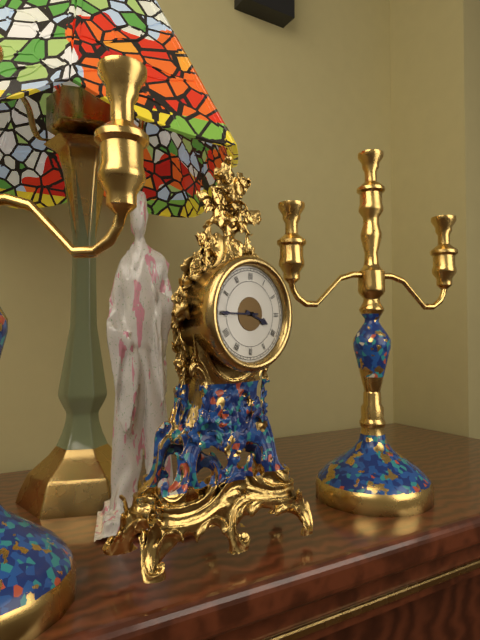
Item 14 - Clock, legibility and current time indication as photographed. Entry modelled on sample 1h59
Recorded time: 3h45
